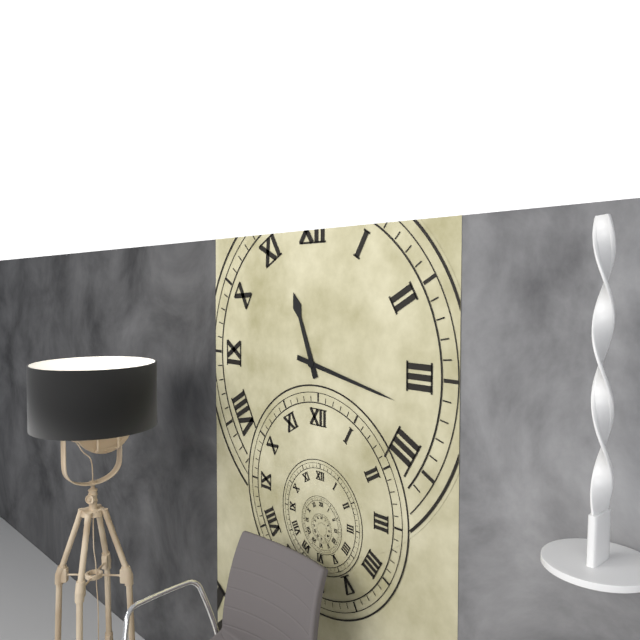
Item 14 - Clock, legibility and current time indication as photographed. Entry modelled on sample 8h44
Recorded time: 11h17
